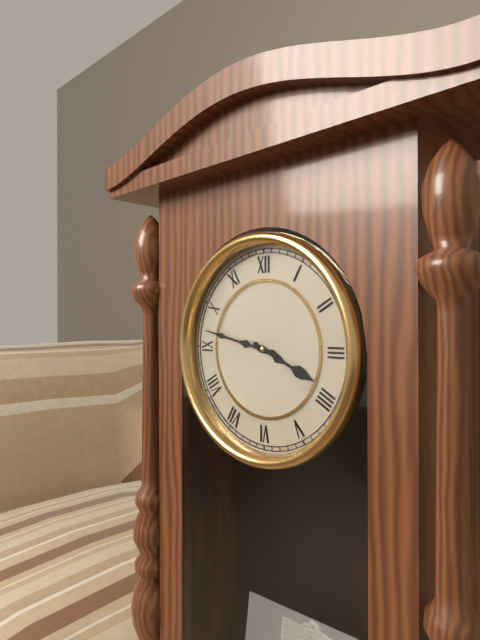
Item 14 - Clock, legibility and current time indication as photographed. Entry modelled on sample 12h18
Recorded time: 3h47
